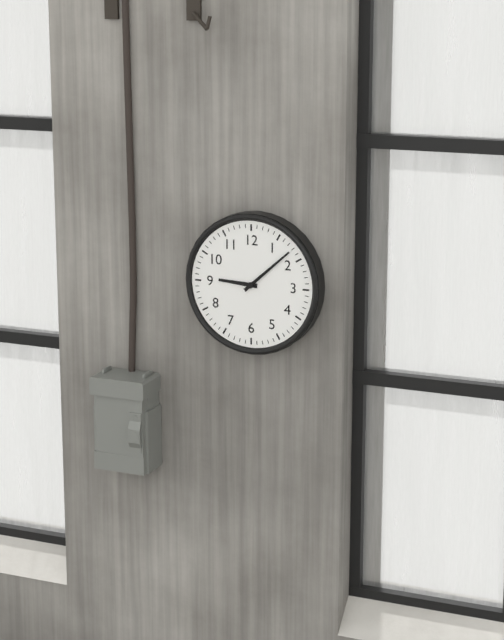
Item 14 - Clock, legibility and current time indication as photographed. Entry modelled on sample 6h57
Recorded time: 9h08
